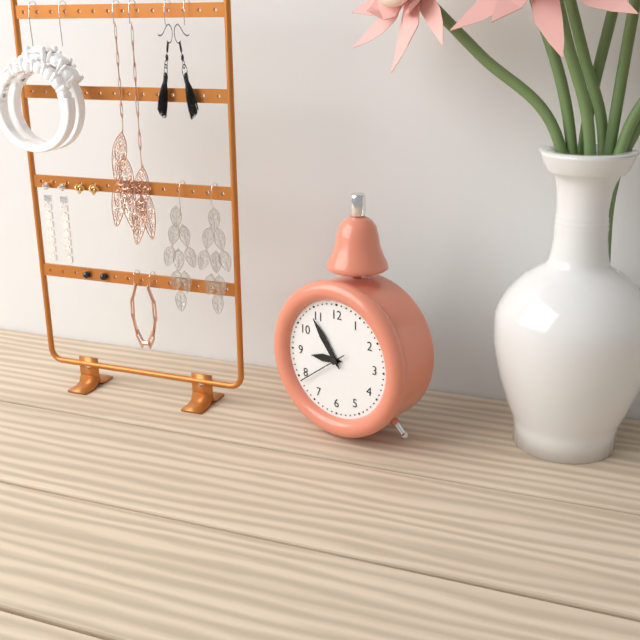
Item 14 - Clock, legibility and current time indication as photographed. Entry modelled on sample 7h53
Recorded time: 8h54
